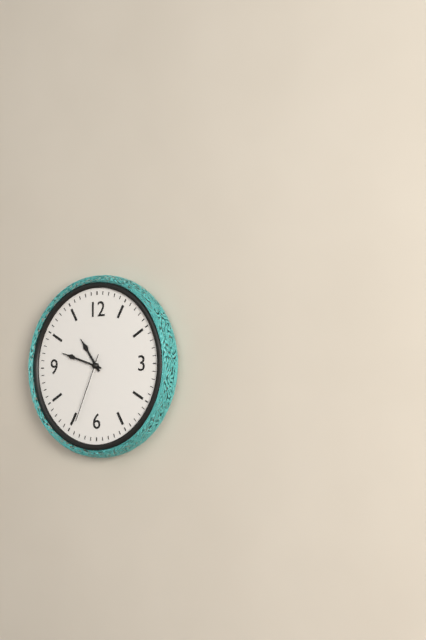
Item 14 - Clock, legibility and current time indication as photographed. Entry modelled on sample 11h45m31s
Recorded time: 10h48m34s
